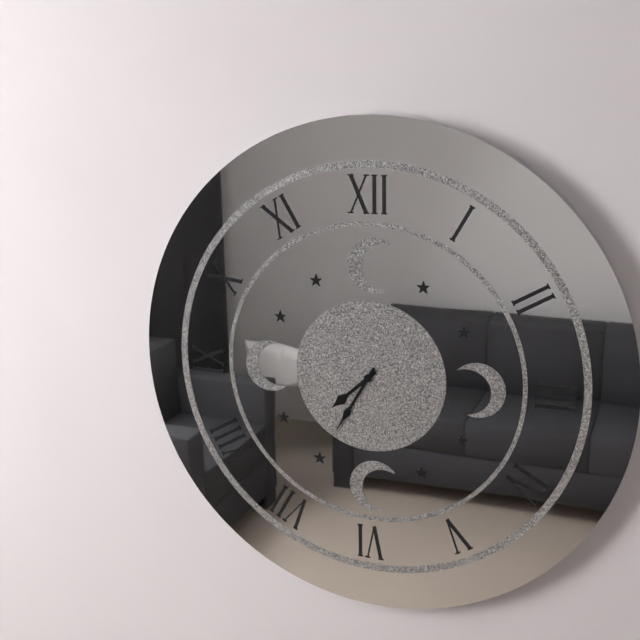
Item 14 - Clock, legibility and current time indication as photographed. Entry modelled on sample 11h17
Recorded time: 7h35
